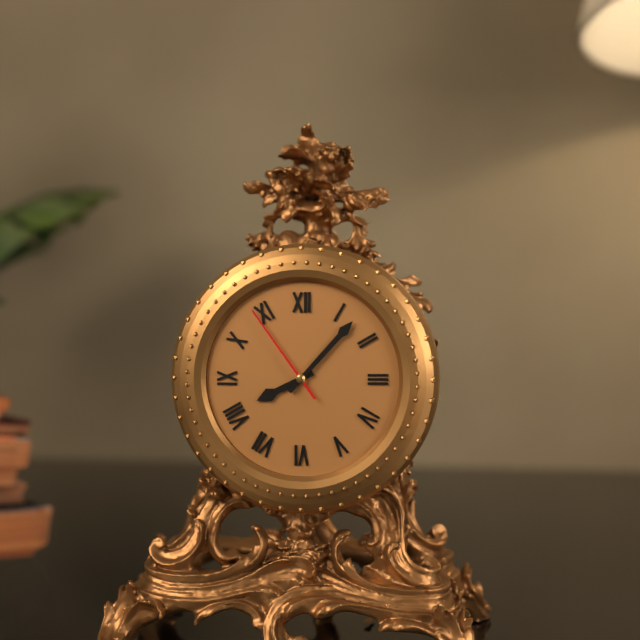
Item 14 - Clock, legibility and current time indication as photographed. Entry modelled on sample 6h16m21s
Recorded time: 8h07m54s
